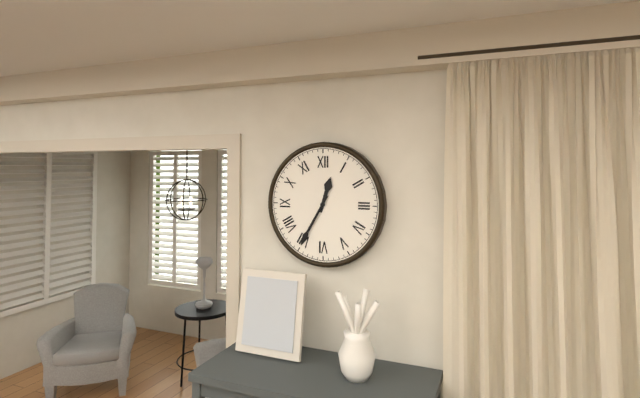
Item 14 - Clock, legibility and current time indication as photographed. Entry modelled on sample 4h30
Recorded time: 12h35
